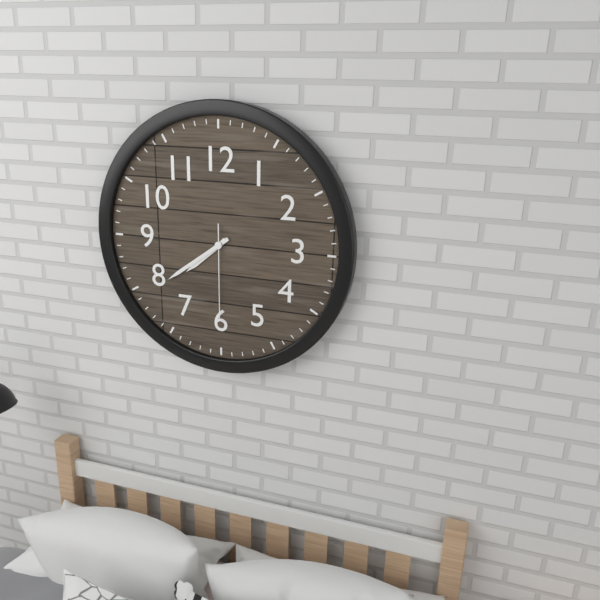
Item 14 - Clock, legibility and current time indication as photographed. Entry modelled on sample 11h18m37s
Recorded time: 7h39m30s
